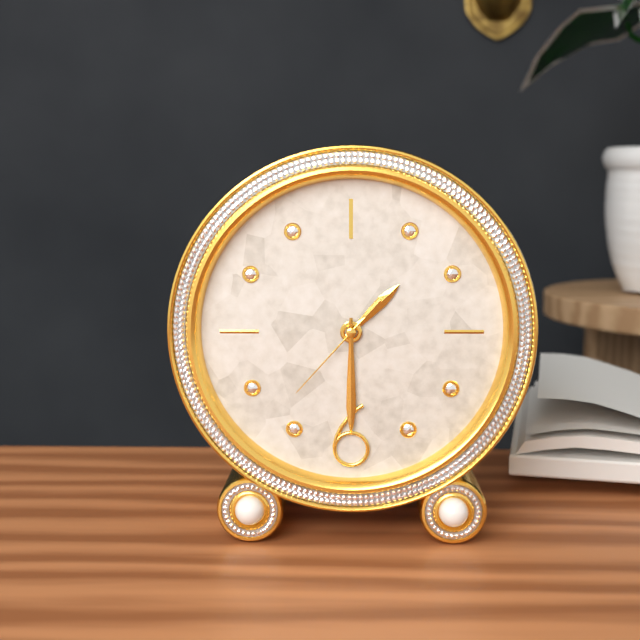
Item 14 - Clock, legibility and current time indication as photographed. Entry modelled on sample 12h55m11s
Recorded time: 1h30m37s
